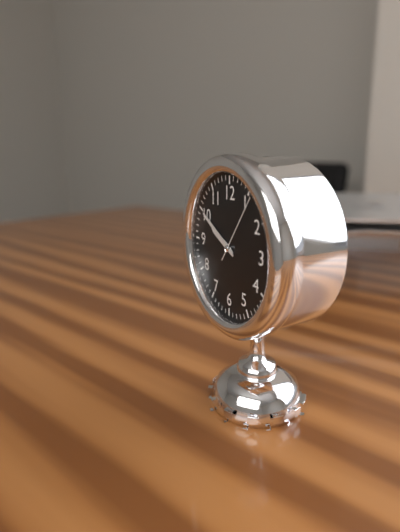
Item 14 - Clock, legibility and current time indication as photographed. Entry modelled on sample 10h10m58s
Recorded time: 9h50m06s
